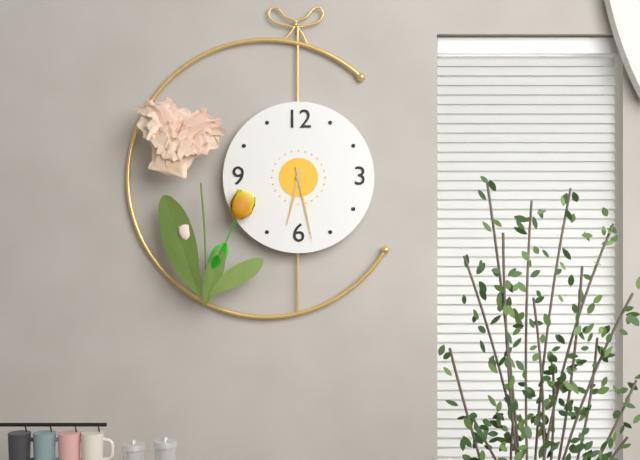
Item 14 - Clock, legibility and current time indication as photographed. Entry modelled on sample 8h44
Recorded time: 6h28
